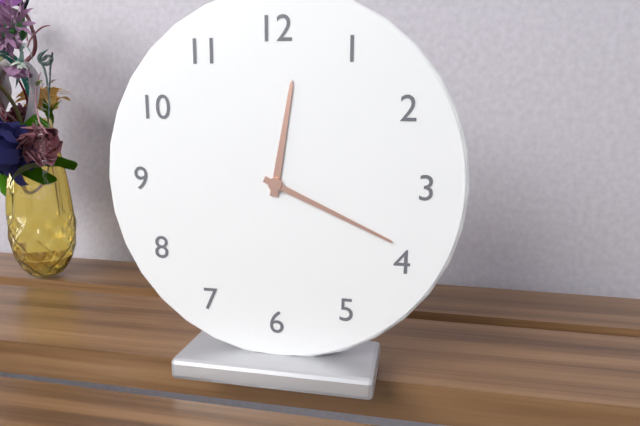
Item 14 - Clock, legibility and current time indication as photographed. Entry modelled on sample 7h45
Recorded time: 12h19
